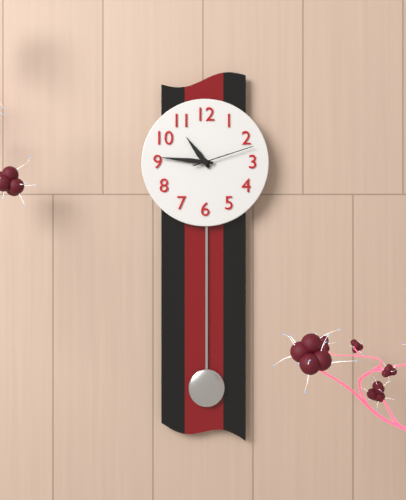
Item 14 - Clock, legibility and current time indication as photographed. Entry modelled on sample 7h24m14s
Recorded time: 10h46m12s
